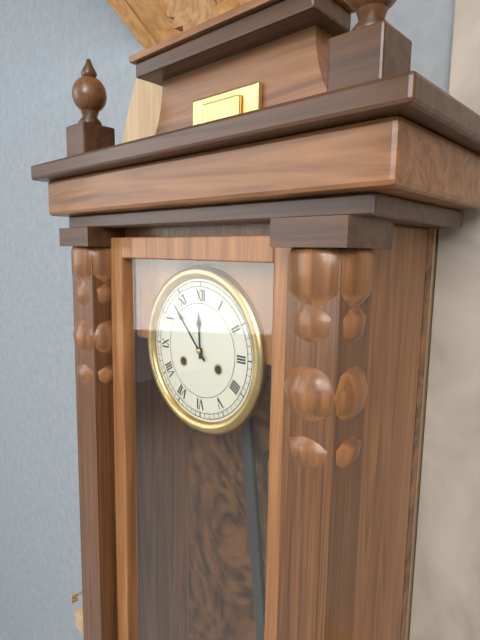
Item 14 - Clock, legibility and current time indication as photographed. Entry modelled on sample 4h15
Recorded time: 11h53
